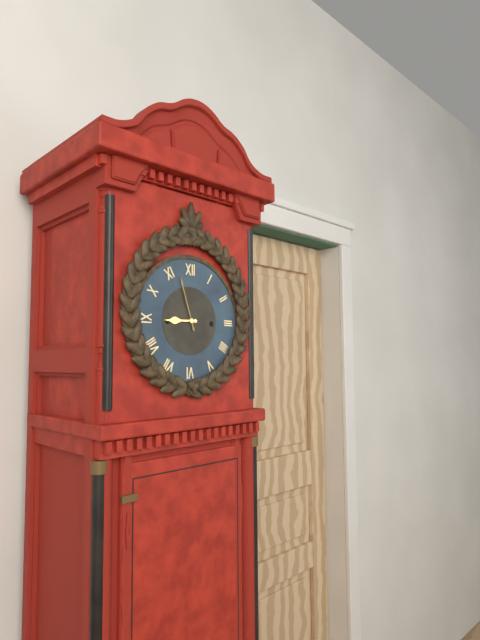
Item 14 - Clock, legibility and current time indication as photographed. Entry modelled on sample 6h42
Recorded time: 8h57
